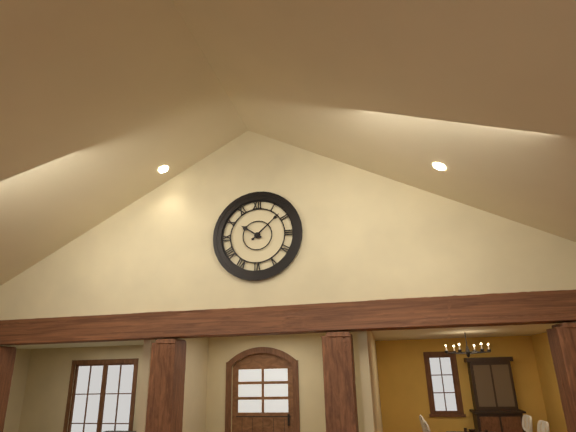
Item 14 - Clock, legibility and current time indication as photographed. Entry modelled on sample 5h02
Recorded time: 10h08
